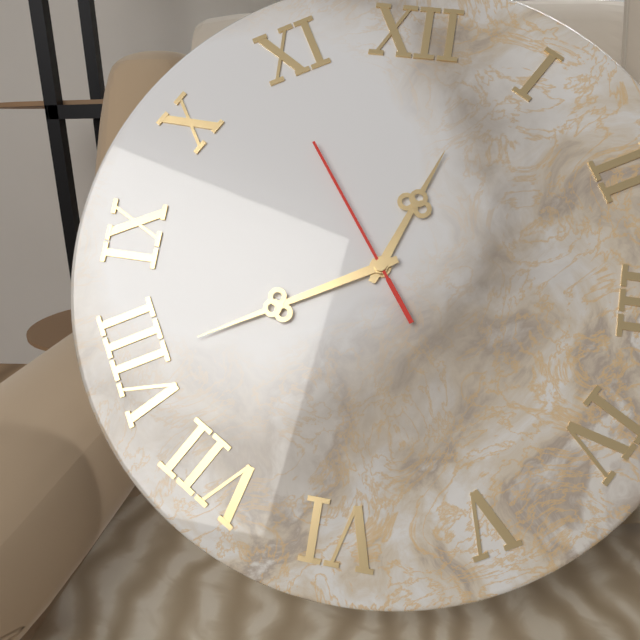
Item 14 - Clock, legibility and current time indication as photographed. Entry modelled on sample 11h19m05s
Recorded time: 12h40m54s
